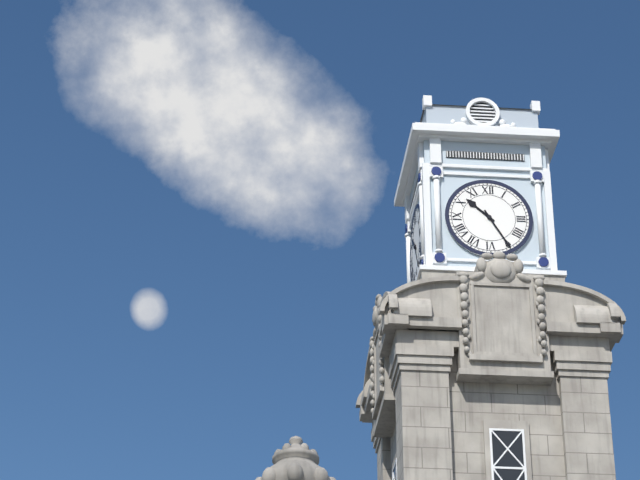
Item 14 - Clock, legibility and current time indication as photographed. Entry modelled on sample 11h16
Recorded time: 10h25
